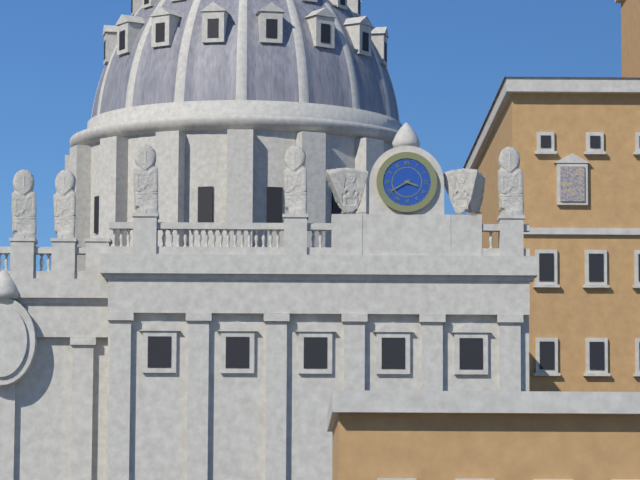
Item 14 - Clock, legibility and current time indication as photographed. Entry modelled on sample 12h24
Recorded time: 3h40
